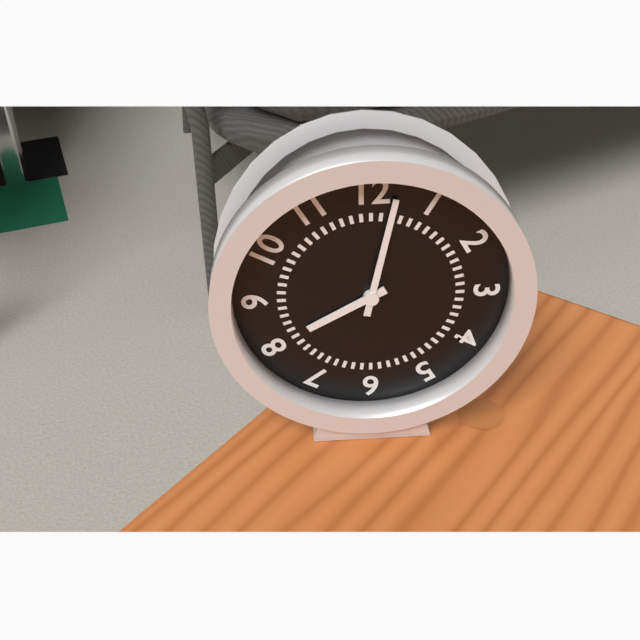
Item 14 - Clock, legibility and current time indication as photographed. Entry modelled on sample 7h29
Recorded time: 8h02
